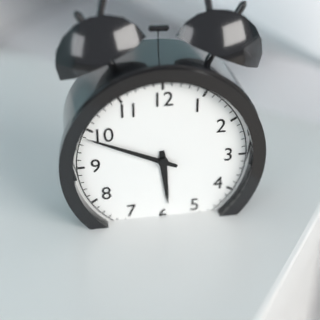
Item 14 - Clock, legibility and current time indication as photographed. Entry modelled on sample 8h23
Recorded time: 5h49
